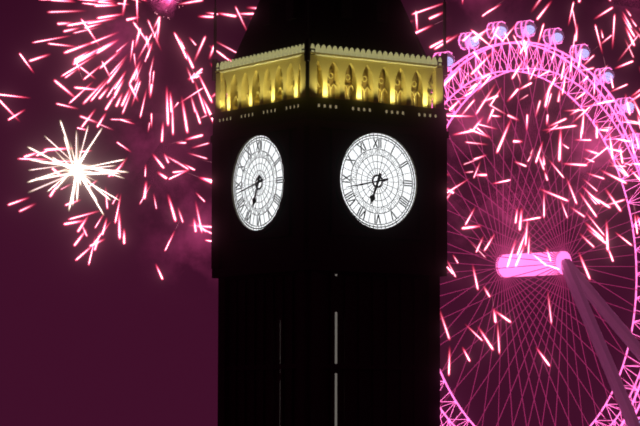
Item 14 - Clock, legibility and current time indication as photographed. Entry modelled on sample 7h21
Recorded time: 6h43
